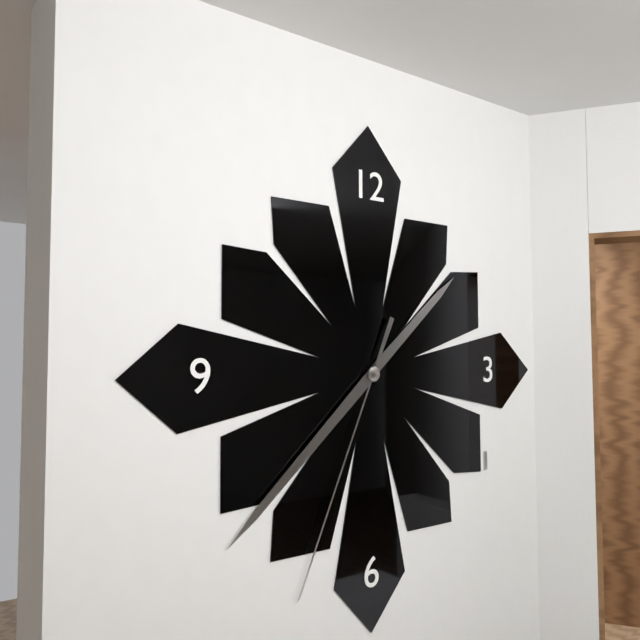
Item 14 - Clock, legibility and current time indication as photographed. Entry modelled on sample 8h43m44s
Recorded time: 1h38m34s
